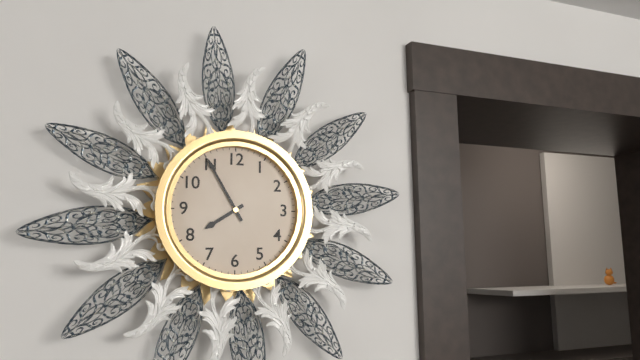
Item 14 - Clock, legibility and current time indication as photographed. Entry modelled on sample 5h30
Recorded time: 7h55
